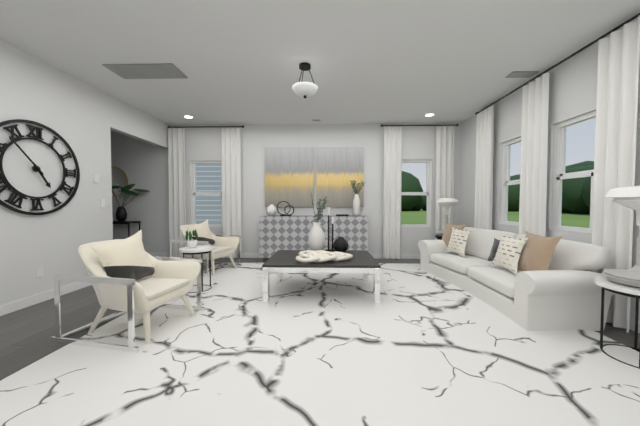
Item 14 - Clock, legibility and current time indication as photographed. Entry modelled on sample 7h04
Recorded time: 4h53
